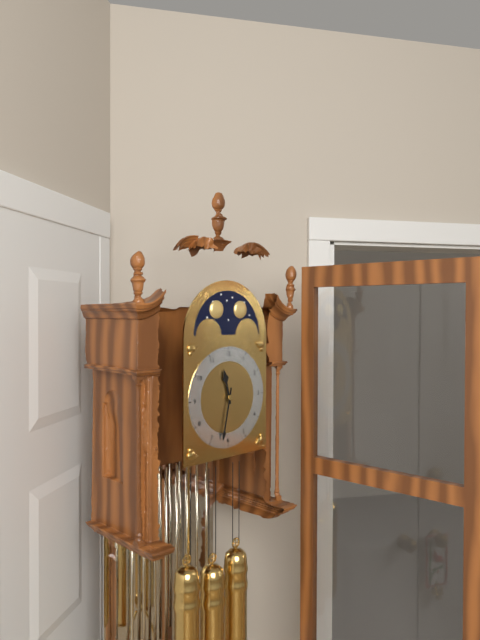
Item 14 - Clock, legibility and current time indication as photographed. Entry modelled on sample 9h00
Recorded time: 11h32
